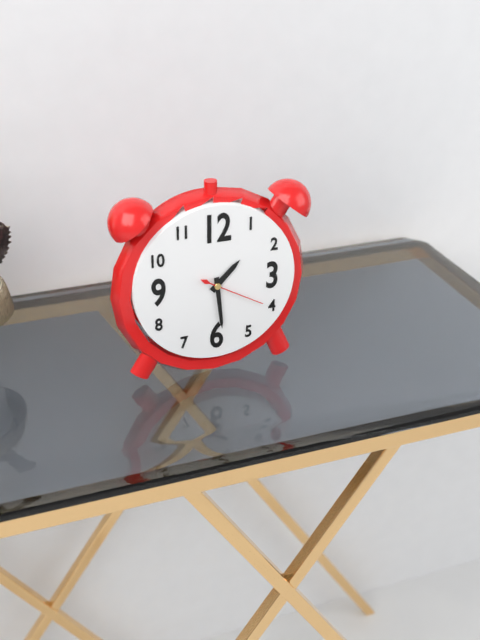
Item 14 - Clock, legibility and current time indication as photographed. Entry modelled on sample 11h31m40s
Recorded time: 1h29m20s
